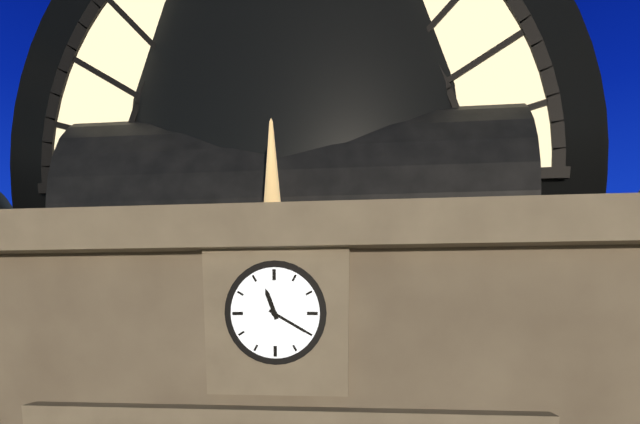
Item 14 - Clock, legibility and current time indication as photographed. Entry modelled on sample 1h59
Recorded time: 11h20
